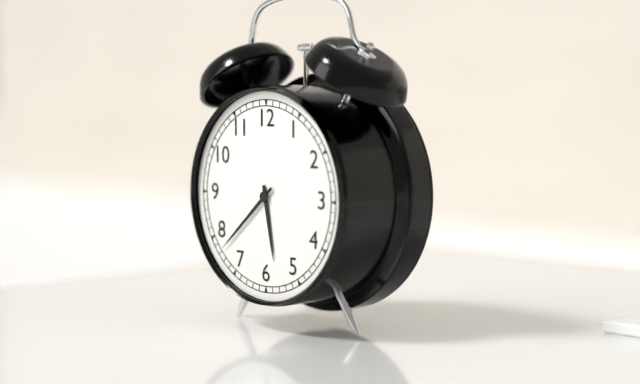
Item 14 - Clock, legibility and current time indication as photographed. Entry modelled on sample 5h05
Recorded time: 5h38
